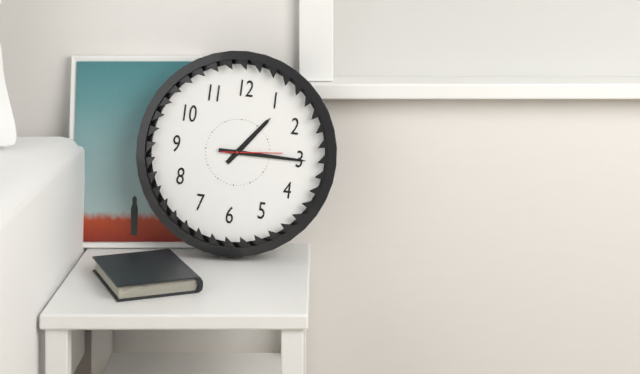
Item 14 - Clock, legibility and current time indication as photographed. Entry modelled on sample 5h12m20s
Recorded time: 1h15m14s
